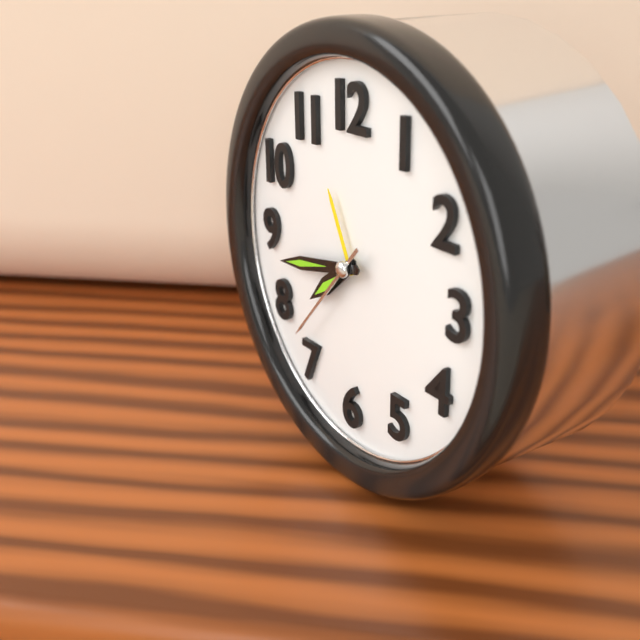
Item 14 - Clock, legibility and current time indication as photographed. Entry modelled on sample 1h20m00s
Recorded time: 7h43m37s
